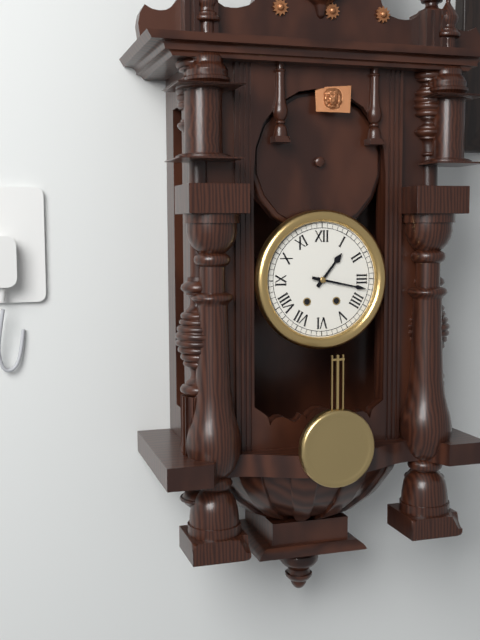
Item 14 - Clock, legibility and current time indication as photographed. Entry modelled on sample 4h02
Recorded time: 1h17
